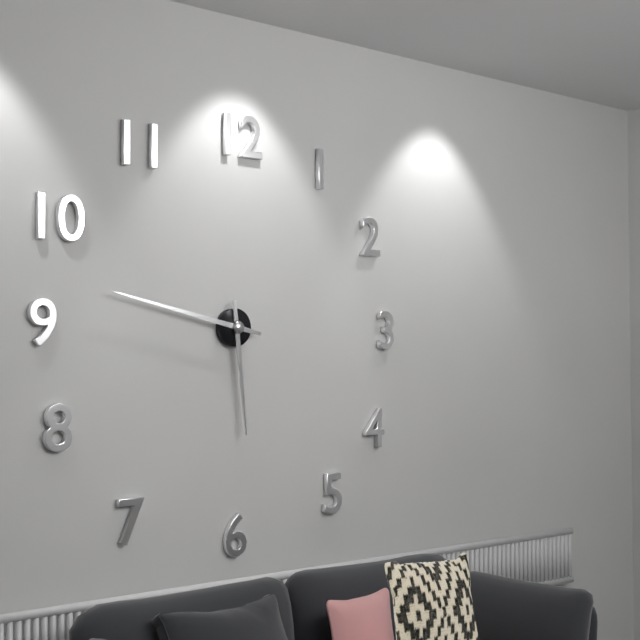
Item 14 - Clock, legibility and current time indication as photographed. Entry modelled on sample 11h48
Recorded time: 5h47
